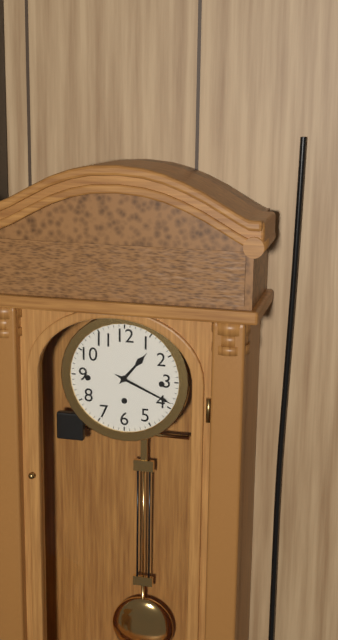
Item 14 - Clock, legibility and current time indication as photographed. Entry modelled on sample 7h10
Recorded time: 1h19
